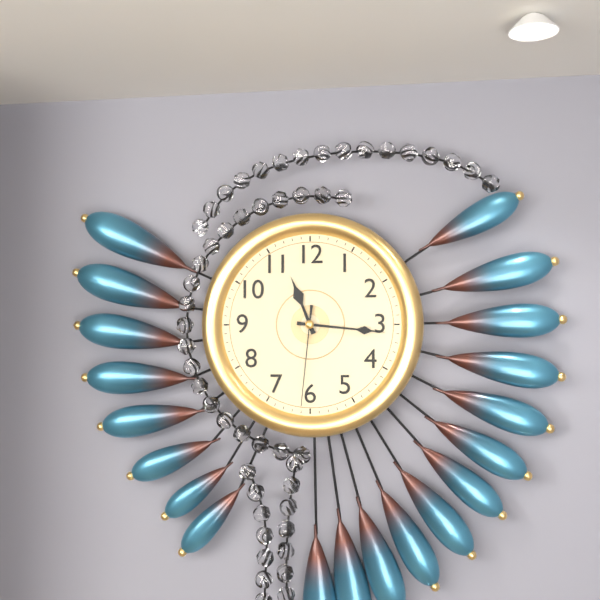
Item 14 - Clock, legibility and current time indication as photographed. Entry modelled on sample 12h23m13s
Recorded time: 11h16m31s
